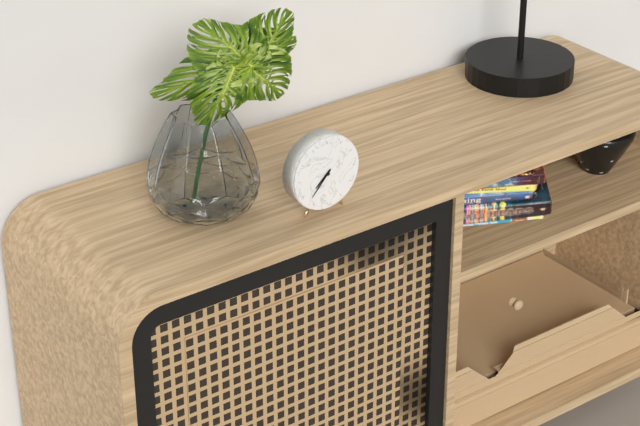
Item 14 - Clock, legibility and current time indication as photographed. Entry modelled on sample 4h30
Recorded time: 7h37
